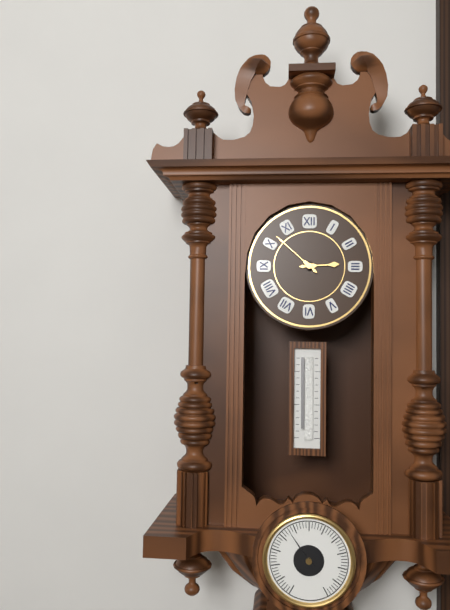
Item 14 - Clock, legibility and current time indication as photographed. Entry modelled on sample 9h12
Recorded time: 2h52
